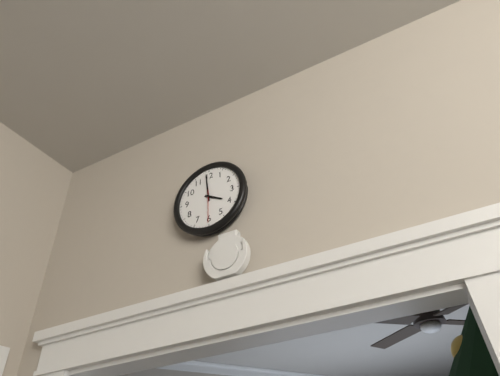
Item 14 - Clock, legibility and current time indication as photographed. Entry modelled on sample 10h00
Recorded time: 3h59
